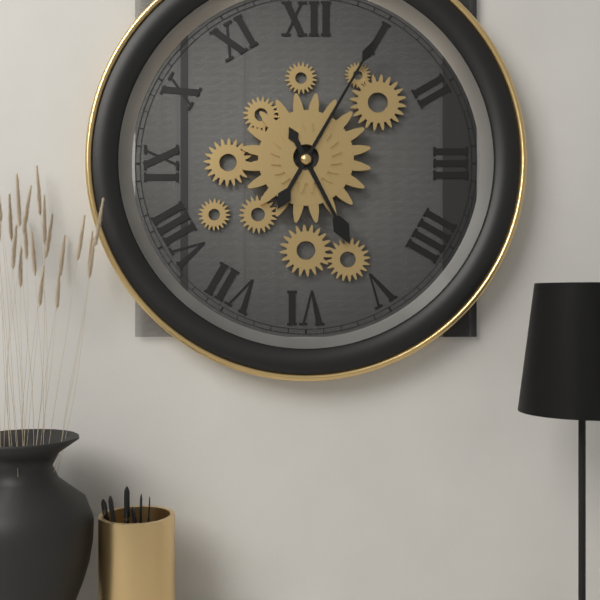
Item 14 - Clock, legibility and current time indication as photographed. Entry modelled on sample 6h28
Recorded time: 5h05
